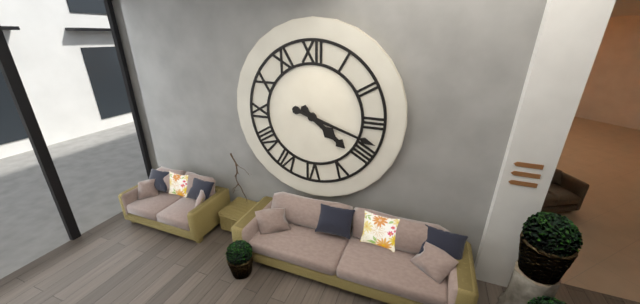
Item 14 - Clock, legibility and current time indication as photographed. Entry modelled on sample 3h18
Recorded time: 4h18
